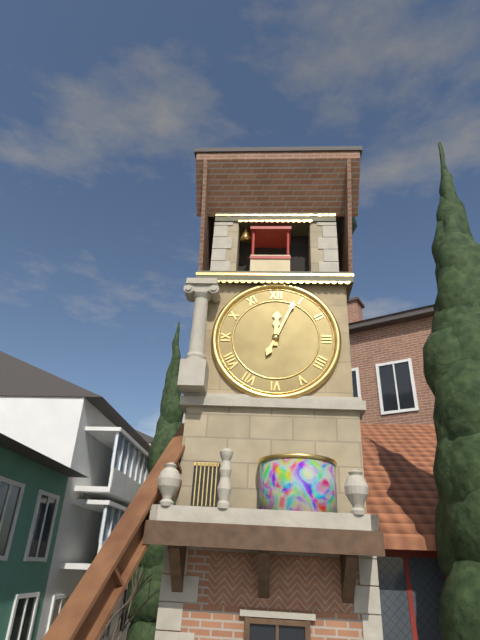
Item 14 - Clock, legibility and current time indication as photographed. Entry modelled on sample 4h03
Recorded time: 12h04
